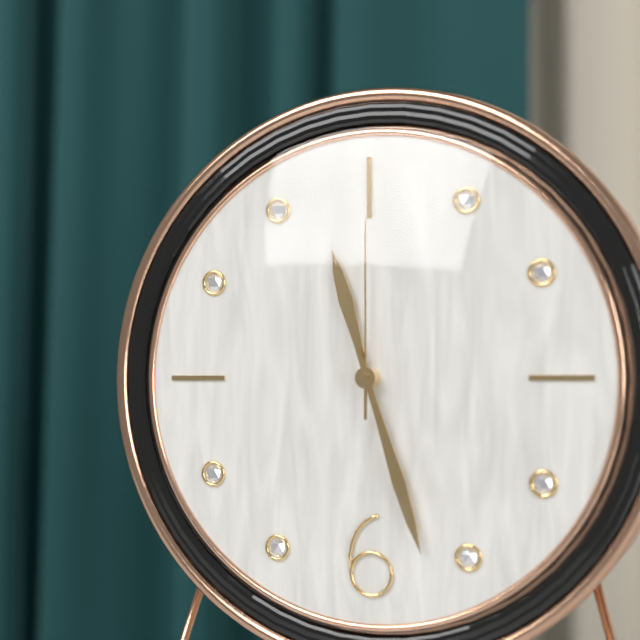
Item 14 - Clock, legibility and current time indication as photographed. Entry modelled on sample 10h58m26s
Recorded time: 11h27m00s
